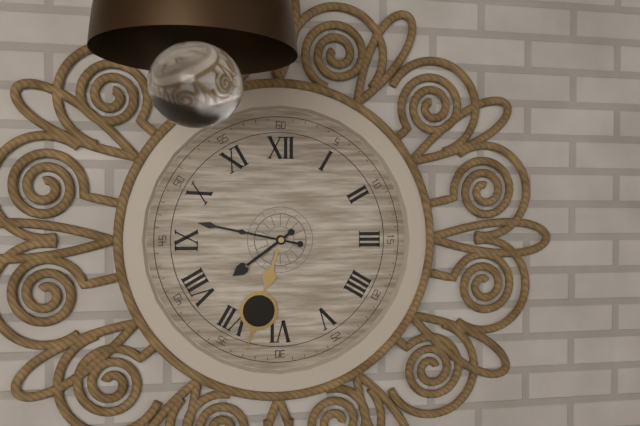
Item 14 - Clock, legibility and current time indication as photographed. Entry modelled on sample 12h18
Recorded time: 7h47
